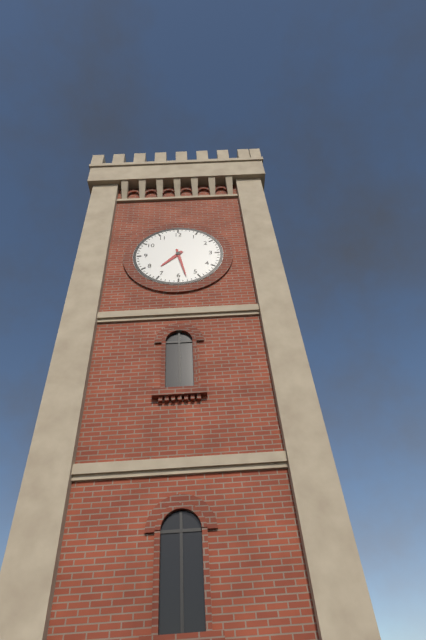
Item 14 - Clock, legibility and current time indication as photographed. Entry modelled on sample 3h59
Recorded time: 7h28
